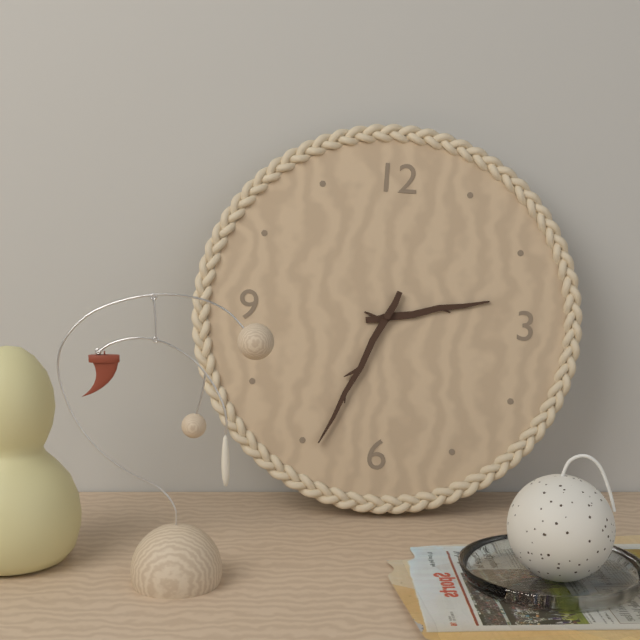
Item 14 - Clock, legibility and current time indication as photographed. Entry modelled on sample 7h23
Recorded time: 2h34
